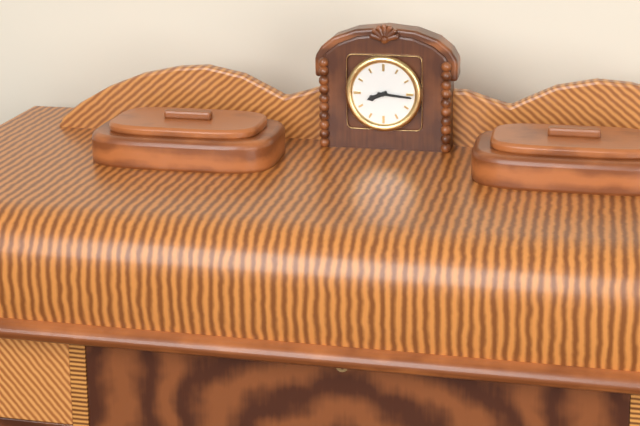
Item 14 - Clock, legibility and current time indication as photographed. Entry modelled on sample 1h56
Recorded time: 8h16
